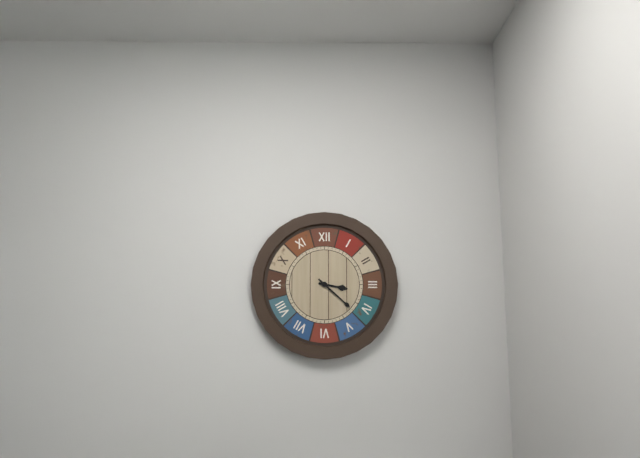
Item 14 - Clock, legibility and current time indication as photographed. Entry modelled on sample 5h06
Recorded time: 3h22
